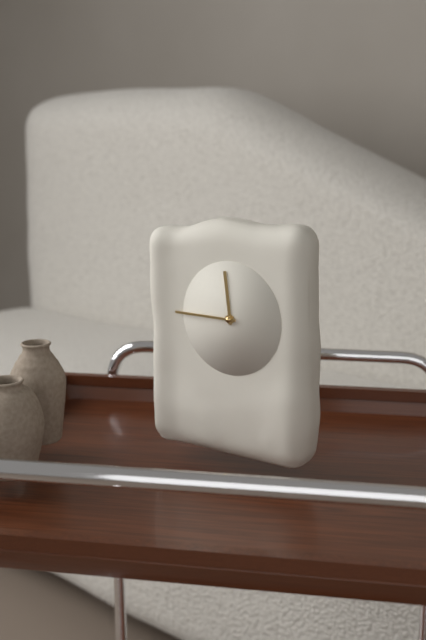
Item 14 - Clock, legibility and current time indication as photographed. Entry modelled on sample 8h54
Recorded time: 11h45
